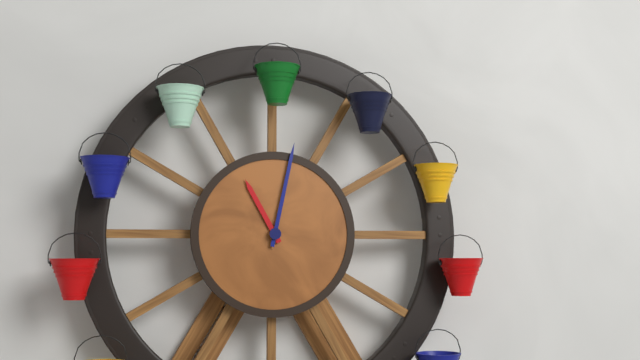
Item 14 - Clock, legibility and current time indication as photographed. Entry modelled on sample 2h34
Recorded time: 11h02
